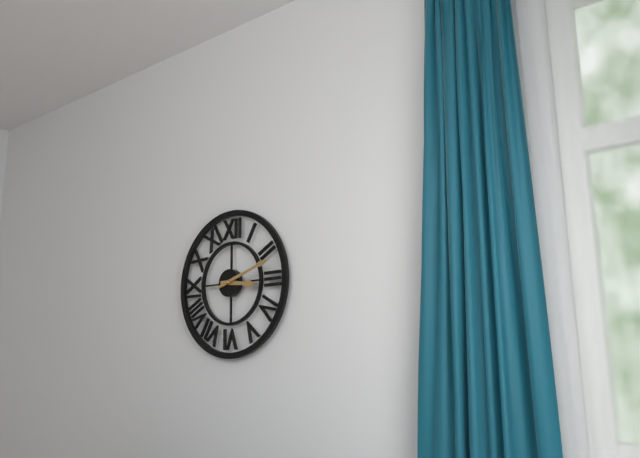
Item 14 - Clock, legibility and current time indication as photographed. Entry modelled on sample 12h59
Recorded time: 3h12
